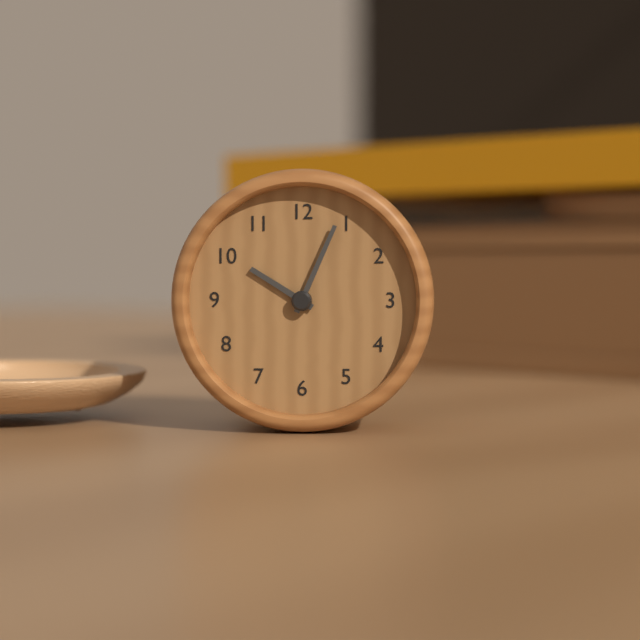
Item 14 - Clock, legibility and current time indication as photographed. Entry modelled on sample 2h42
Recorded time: 10h04
